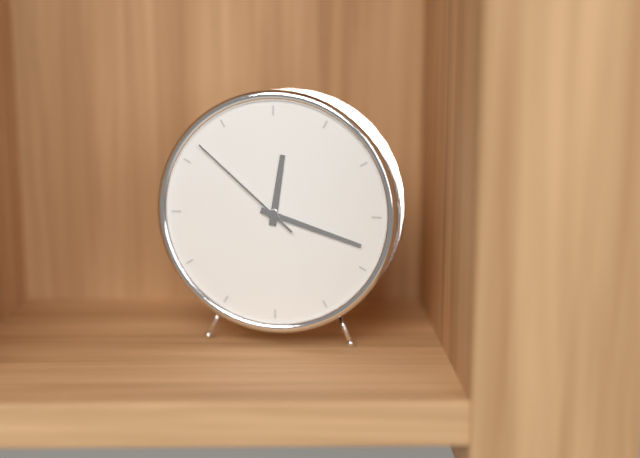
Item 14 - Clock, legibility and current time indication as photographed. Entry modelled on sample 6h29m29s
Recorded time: 12h18m52s
